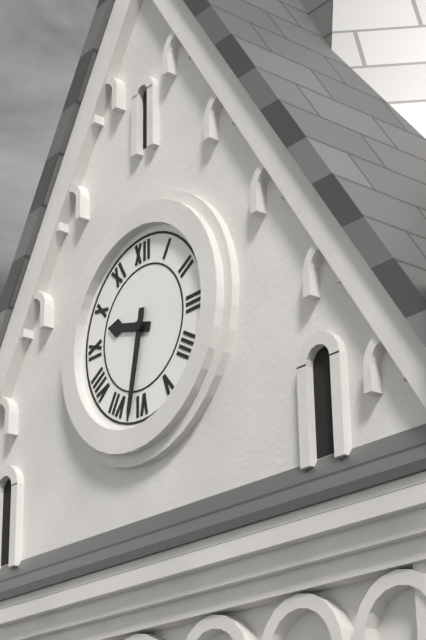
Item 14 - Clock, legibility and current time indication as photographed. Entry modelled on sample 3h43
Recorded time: 9h32
